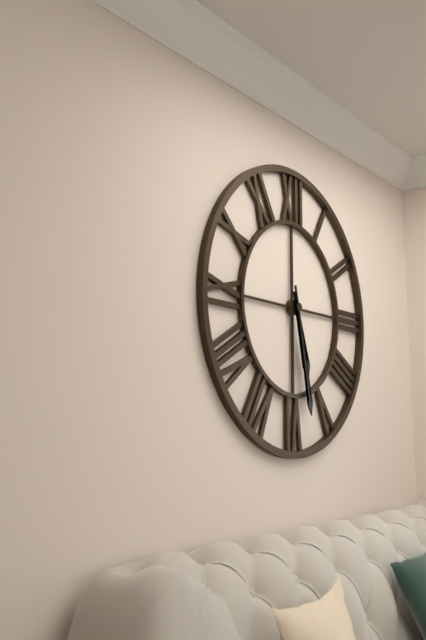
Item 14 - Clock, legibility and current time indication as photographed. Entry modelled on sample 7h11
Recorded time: 5h28
